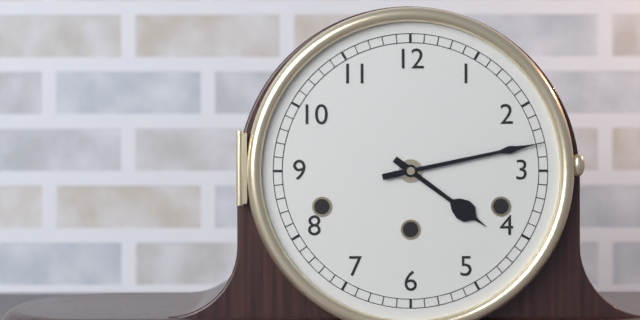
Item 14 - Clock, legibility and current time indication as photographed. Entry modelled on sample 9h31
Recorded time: 4h13
